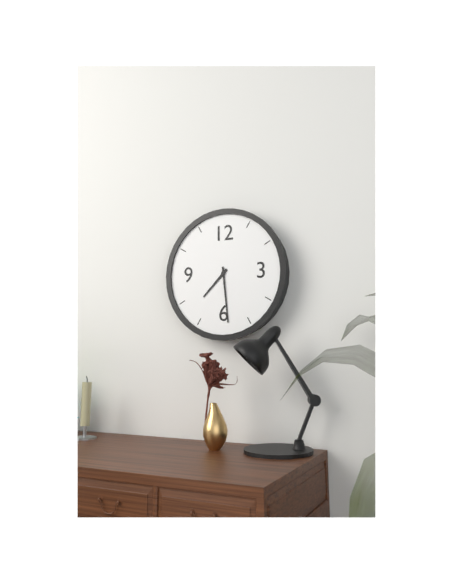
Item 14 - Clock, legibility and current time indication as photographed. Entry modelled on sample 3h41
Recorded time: 7h29
